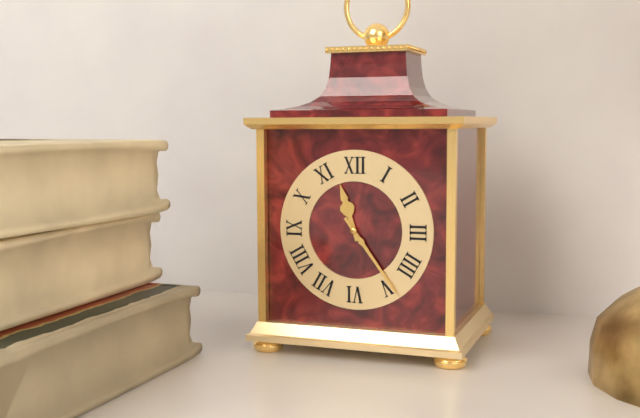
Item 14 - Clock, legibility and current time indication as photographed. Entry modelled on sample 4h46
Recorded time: 11h24
